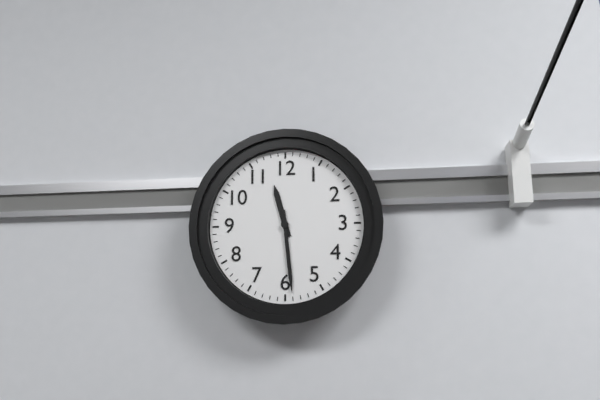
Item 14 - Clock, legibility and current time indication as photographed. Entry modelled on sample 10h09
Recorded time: 11h29
